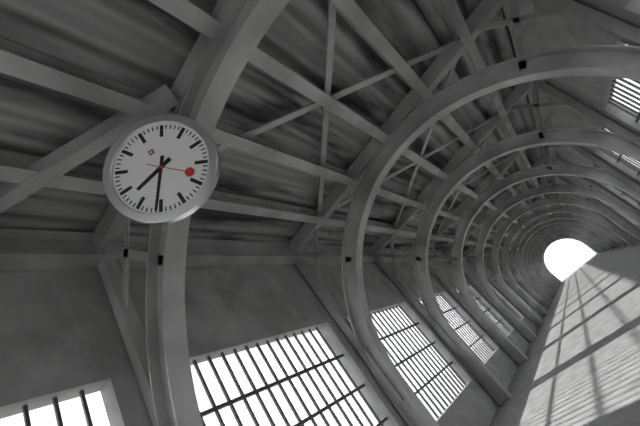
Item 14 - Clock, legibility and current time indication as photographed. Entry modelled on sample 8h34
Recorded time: 8h36
